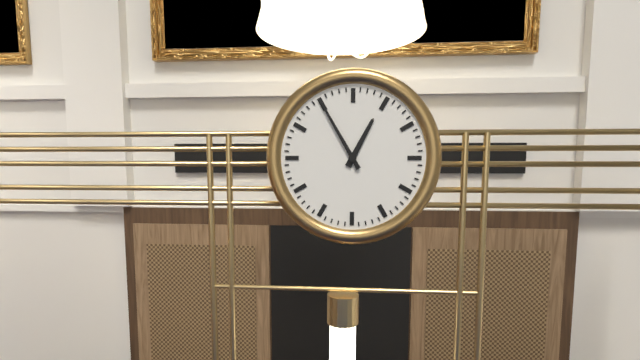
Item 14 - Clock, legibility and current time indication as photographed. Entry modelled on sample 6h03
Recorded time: 12h55
